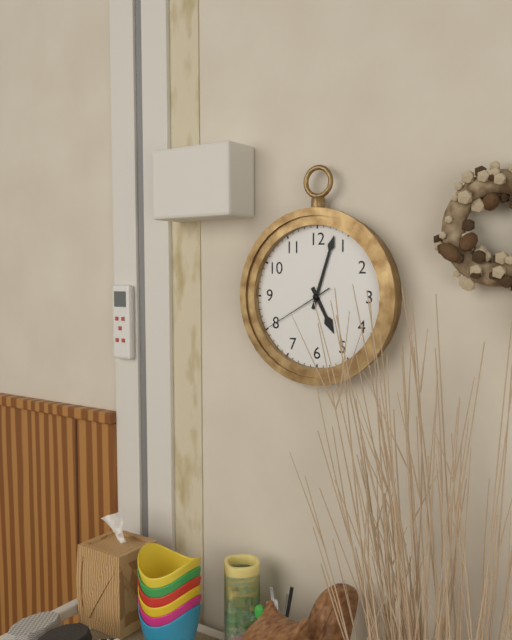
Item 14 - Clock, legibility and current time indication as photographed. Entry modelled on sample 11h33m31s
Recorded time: 5h03m40s
